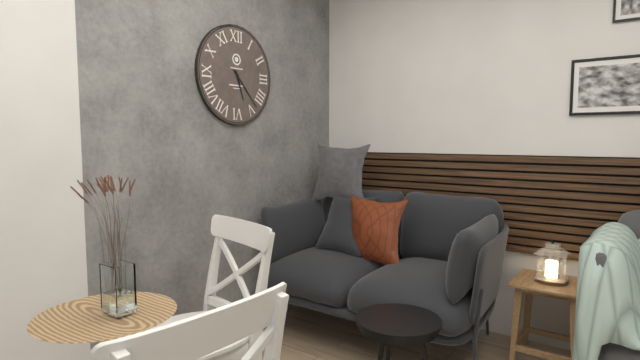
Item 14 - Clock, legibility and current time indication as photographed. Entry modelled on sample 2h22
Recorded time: 5h23
